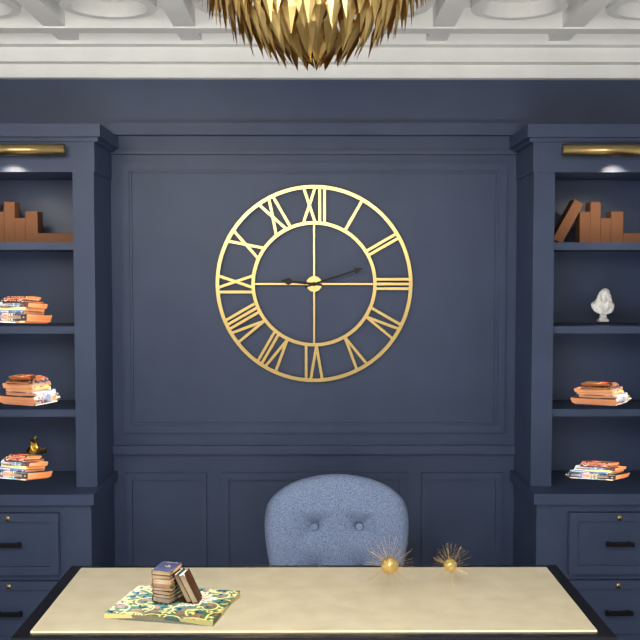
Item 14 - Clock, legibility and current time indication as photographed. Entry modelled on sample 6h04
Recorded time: 9h12
